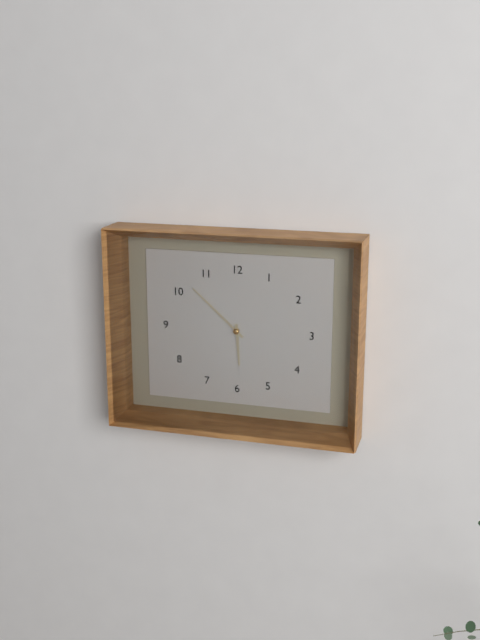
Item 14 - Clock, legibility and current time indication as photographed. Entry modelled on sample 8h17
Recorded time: 5h52
